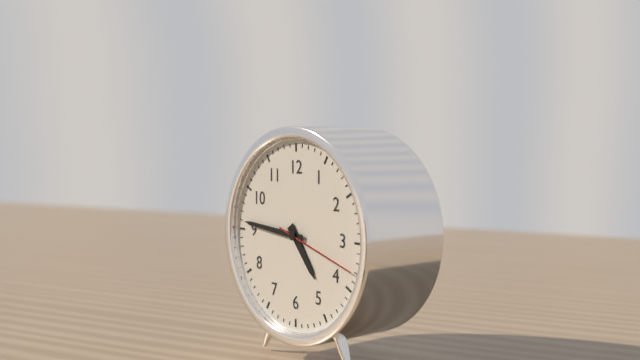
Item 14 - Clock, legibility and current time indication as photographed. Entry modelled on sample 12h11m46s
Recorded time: 4h46m18s
